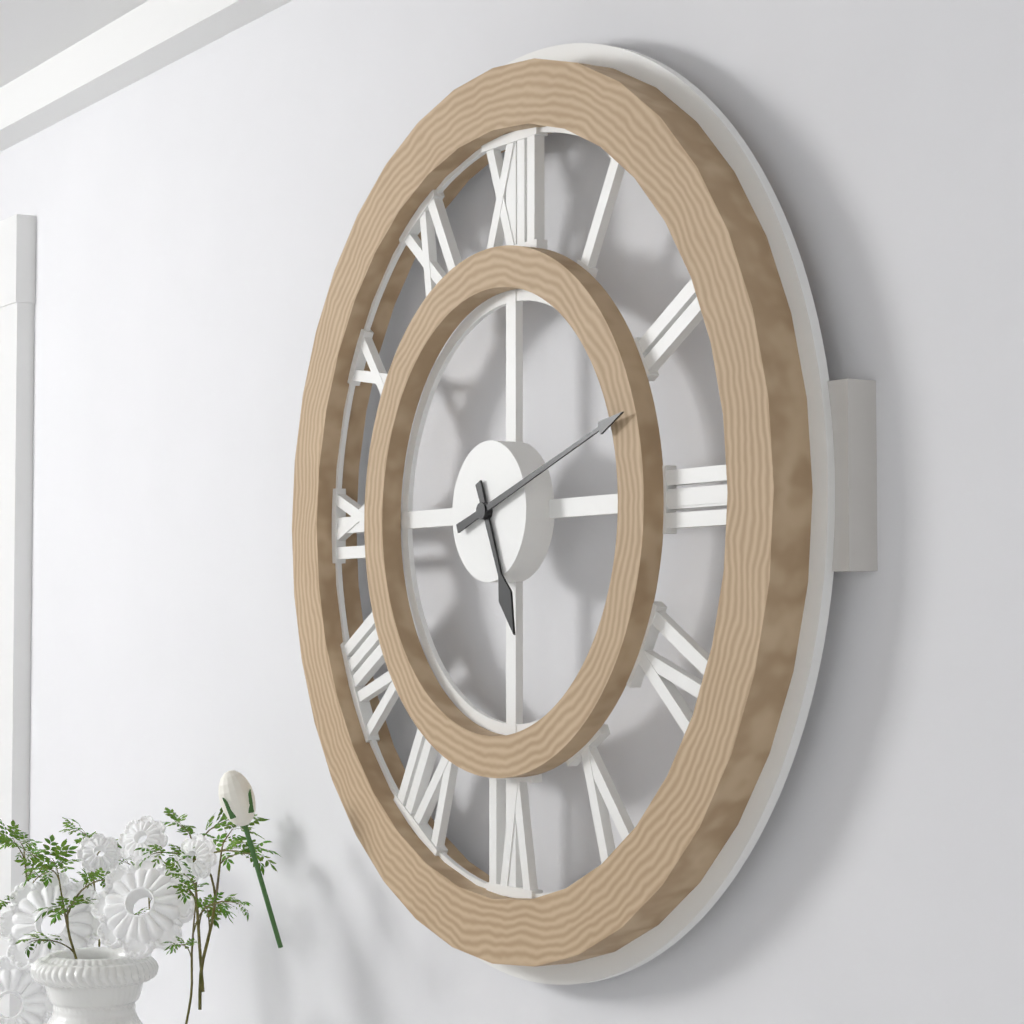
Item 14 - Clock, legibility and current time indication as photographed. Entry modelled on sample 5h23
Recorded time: 5h12
